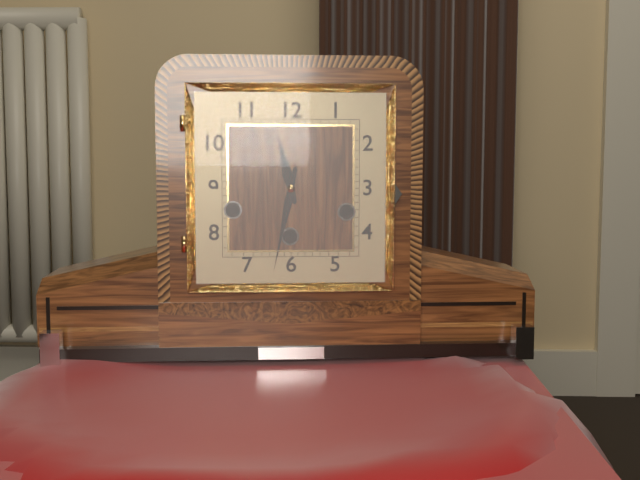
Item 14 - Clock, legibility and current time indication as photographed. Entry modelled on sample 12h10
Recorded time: 11h32
